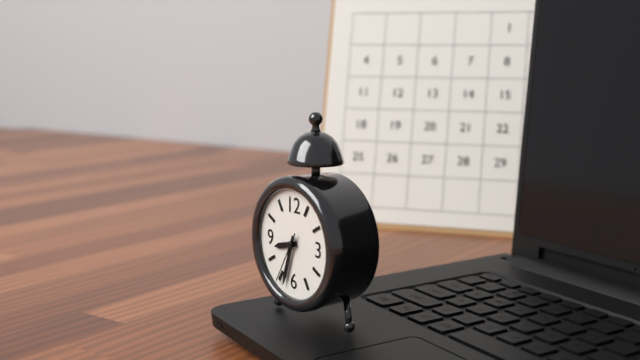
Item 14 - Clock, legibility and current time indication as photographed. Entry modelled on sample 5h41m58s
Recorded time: 8h33m35s
